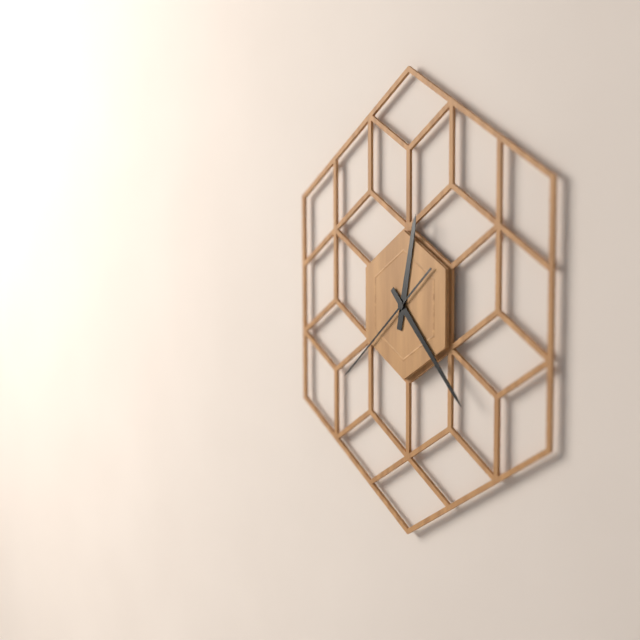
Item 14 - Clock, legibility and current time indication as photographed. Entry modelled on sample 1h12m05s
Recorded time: 12h23m38s
